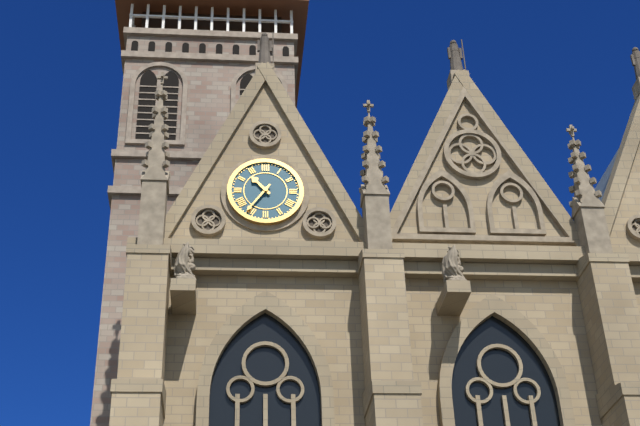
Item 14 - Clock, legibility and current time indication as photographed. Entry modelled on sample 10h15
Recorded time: 10h36
